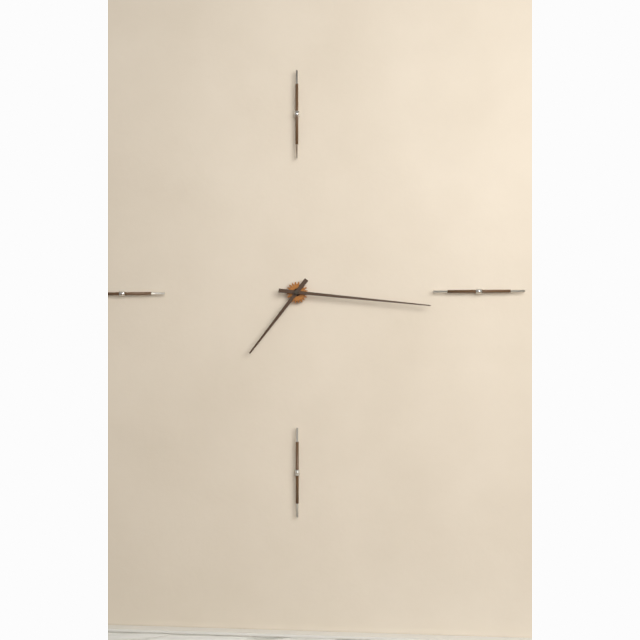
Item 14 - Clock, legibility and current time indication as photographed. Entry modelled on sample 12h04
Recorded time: 7h16
